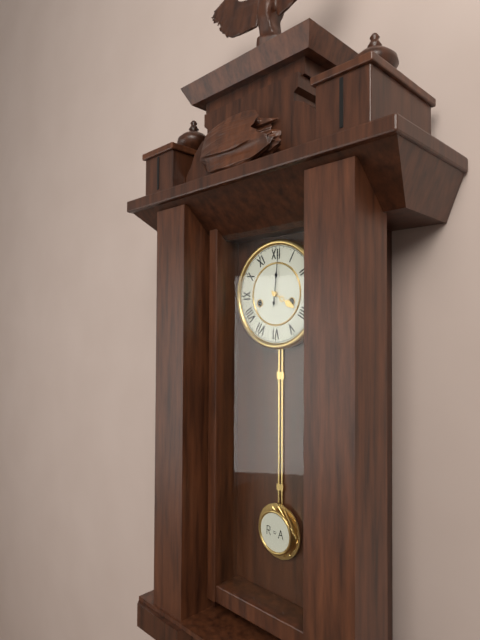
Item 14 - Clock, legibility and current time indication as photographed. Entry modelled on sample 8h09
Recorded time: 4h01
